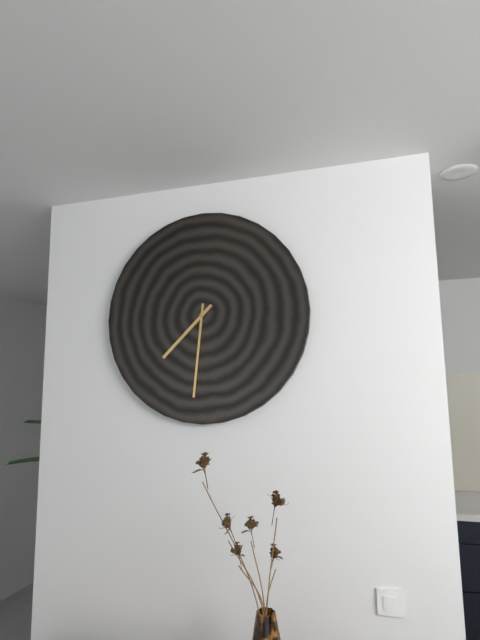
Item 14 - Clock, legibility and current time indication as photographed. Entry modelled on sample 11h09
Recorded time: 7h31
